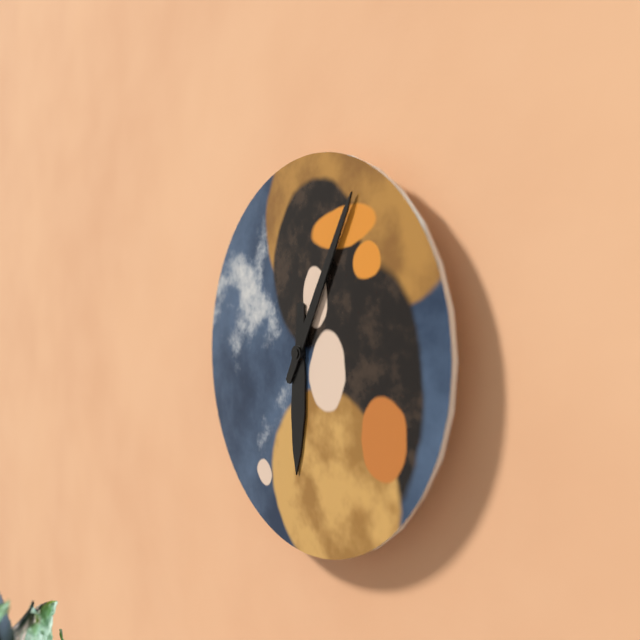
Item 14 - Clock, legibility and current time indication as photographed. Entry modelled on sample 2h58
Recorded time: 6h05
